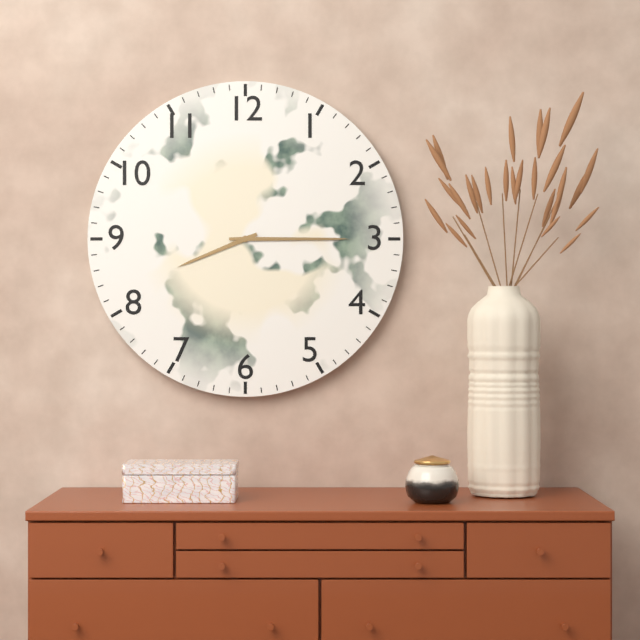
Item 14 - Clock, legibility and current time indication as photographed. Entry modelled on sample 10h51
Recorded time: 8h15
